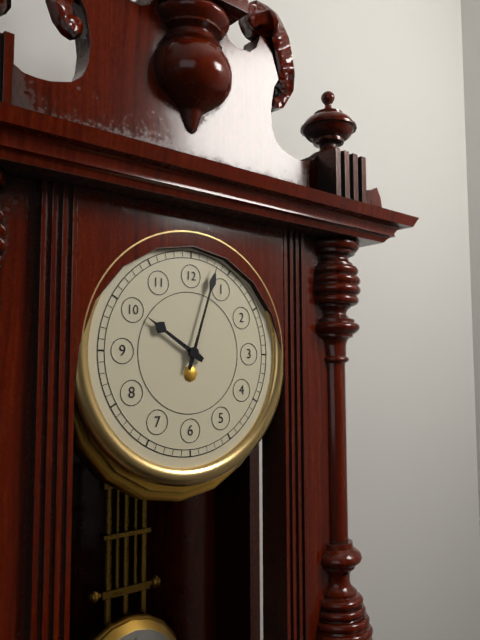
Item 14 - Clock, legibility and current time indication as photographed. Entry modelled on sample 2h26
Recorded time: 10h03
